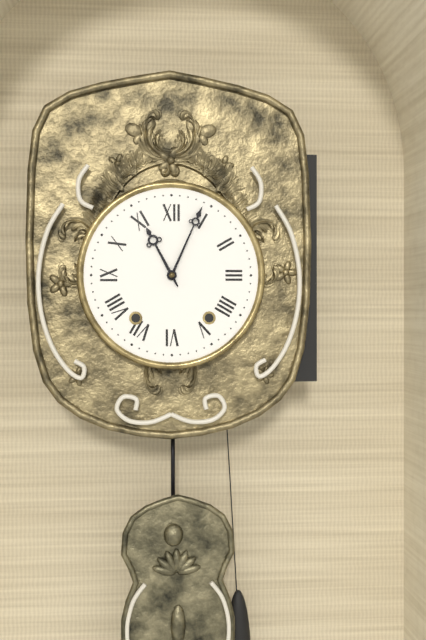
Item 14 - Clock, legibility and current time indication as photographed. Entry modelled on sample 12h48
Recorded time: 11h04
